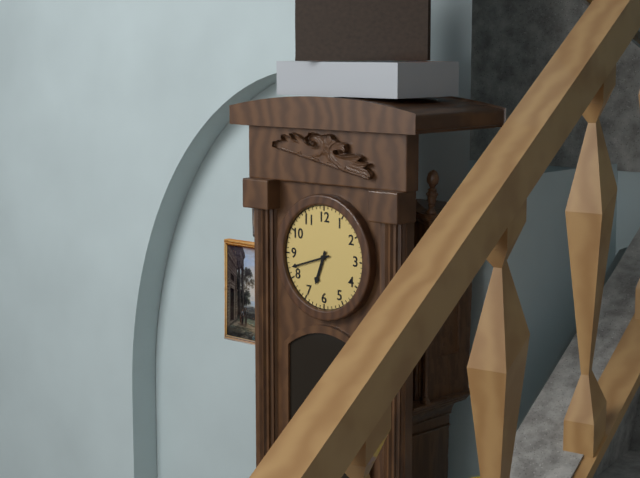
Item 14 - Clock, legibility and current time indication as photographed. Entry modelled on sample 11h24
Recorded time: 6h42
